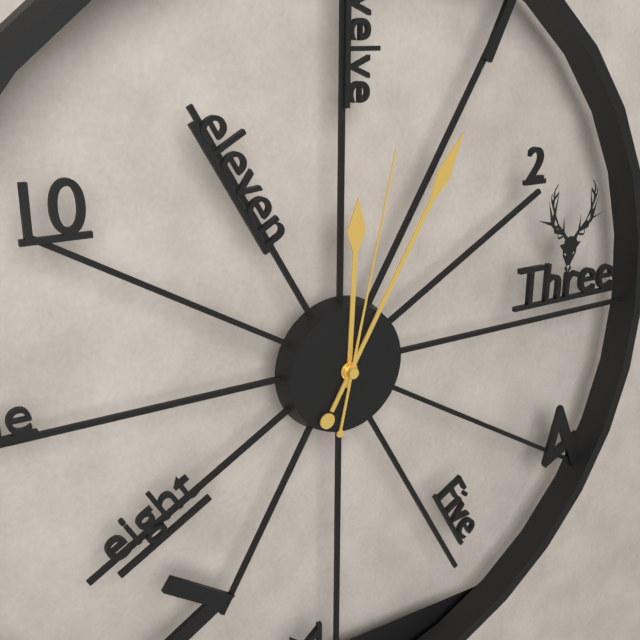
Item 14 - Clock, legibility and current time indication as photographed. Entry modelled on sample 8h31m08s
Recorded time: 12h05m02s
